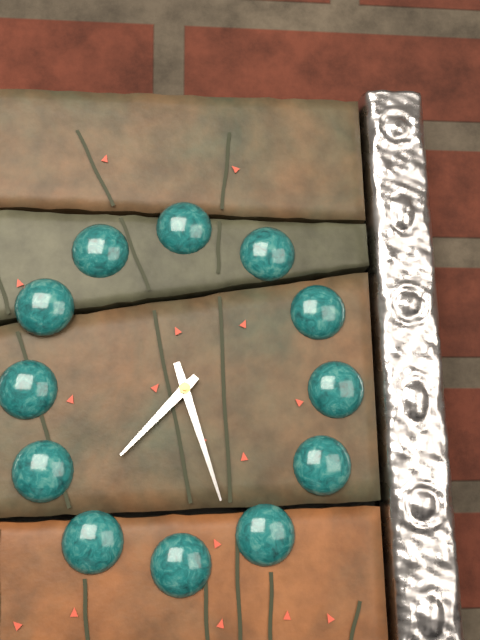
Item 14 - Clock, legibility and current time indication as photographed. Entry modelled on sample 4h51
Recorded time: 7h27
